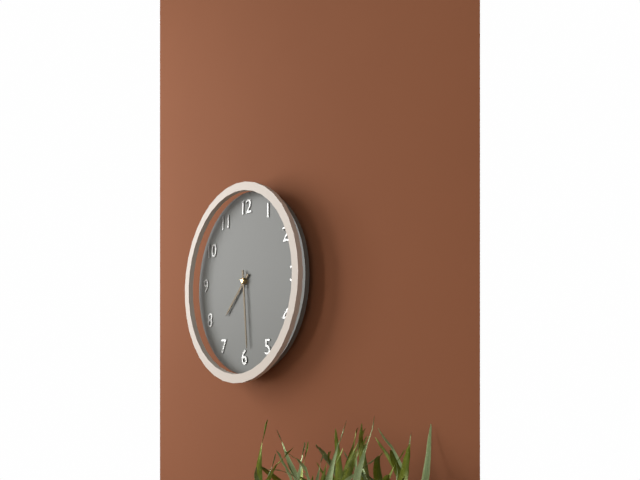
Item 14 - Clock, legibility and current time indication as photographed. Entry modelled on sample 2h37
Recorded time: 7h29
